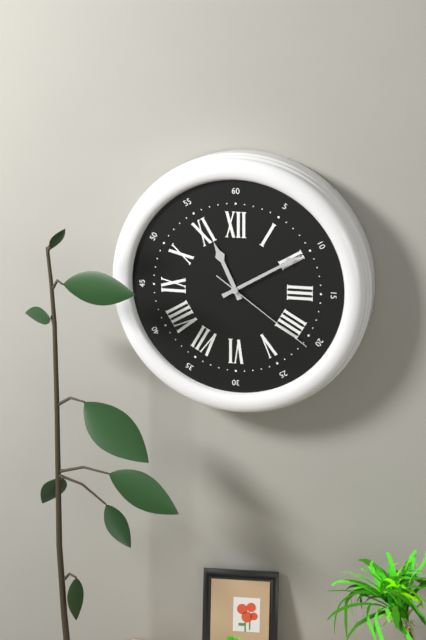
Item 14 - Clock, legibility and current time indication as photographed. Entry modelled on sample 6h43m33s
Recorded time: 11h10m21s
